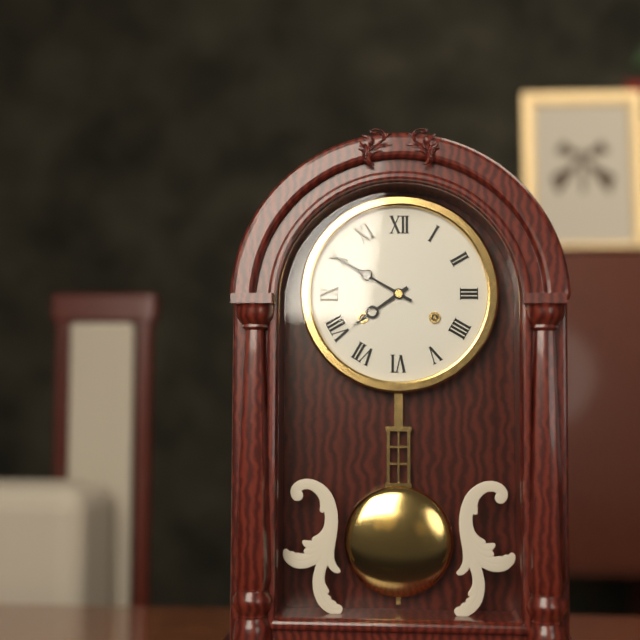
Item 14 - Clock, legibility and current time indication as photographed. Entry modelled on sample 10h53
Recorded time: 7h50
